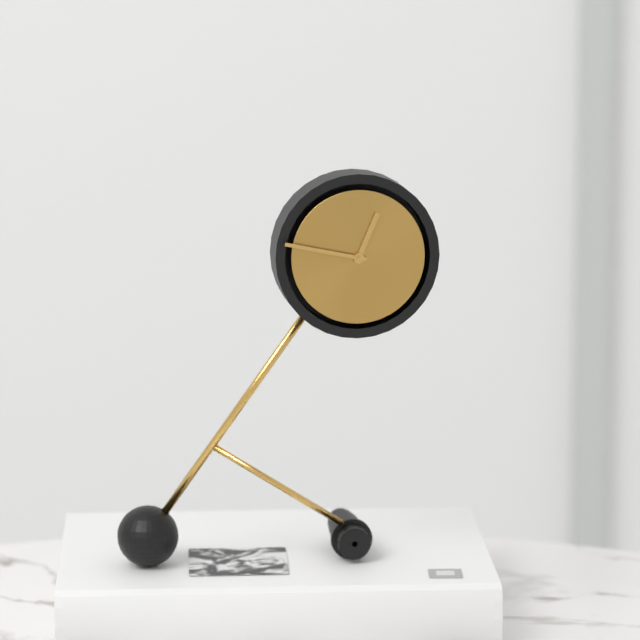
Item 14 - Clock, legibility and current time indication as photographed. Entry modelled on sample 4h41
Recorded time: 12h47
